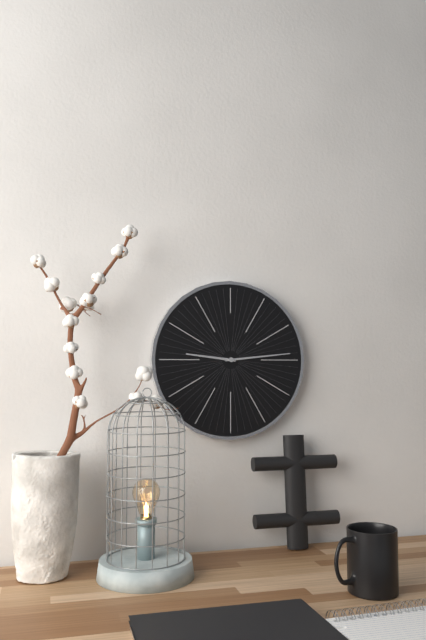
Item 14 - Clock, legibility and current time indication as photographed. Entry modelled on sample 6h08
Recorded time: 9h14
